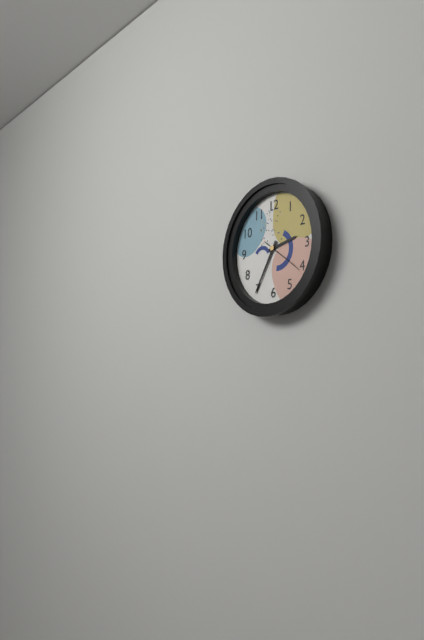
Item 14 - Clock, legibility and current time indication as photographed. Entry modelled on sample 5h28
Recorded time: 2h35
